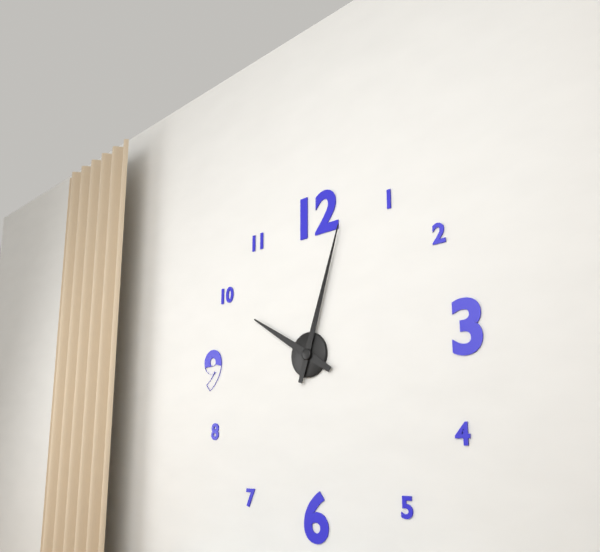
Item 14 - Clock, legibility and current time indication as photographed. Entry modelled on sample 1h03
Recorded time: 10h03
